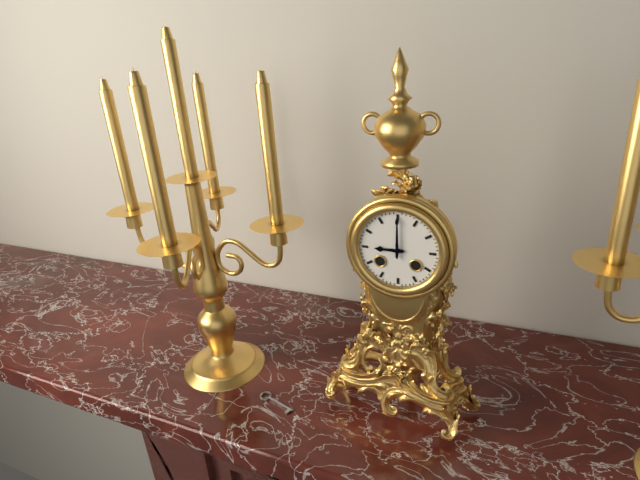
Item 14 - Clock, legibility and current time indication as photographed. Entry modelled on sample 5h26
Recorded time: 9h00
